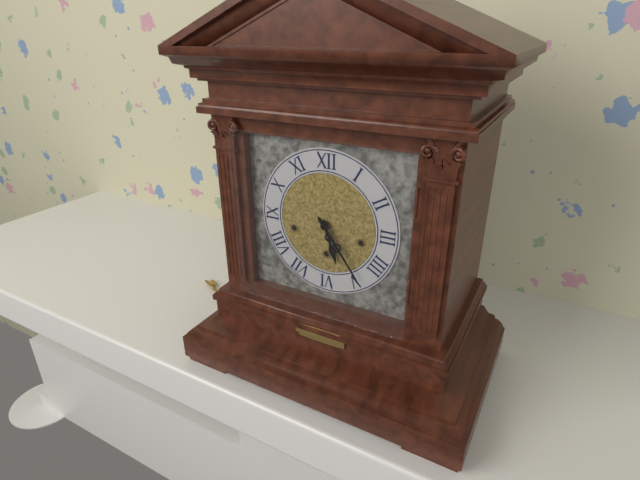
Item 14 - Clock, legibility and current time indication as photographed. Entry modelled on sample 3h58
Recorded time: 5h24
